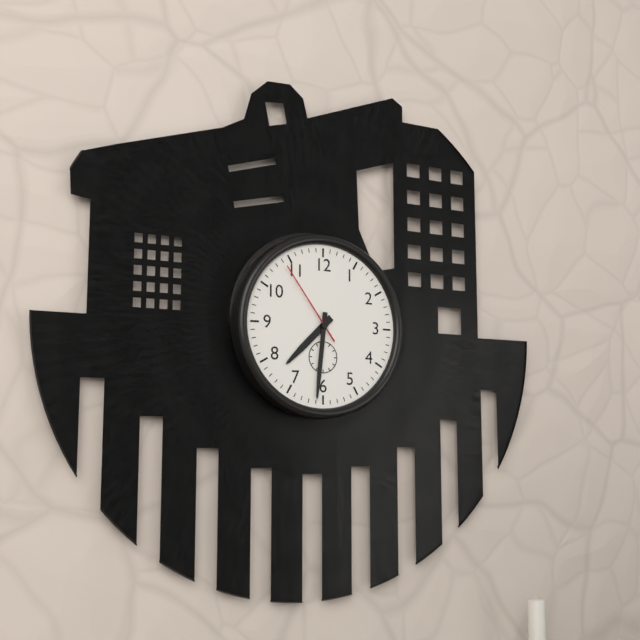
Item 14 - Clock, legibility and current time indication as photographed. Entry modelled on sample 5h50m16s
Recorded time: 7h31m54s
